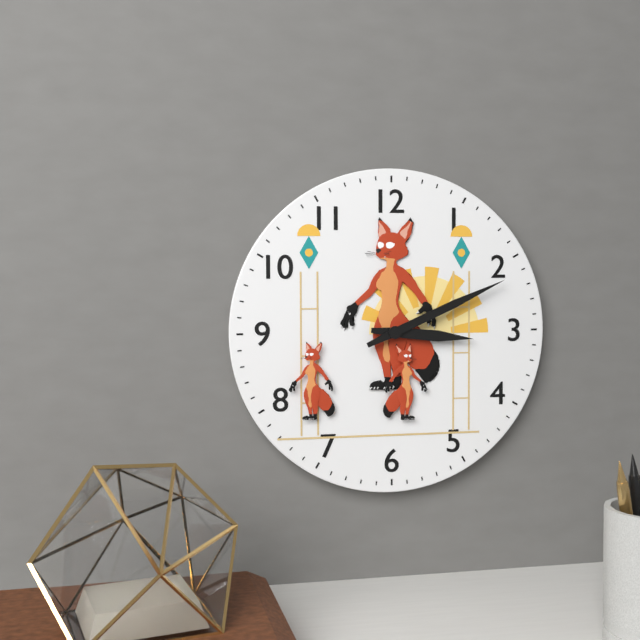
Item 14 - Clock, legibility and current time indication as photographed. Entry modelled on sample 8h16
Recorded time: 3h11
